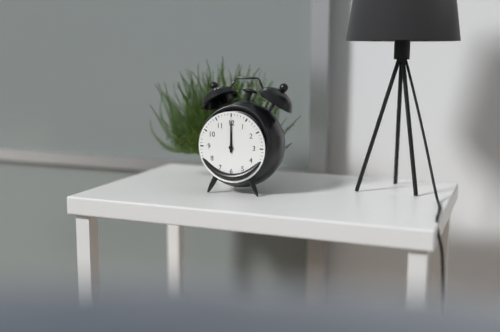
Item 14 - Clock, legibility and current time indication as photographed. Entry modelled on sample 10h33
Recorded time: 12h00
